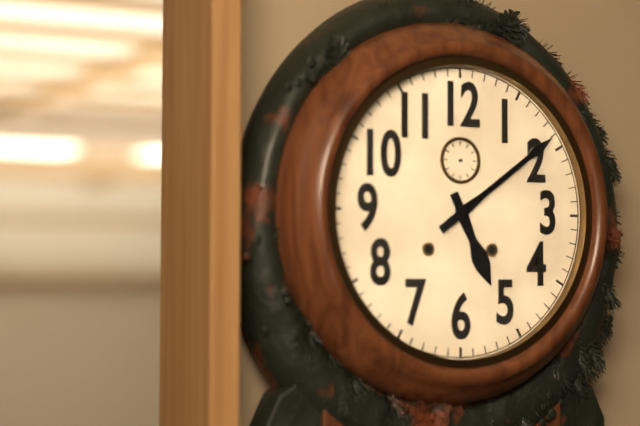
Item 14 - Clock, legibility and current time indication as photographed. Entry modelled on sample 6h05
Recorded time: 5h09
